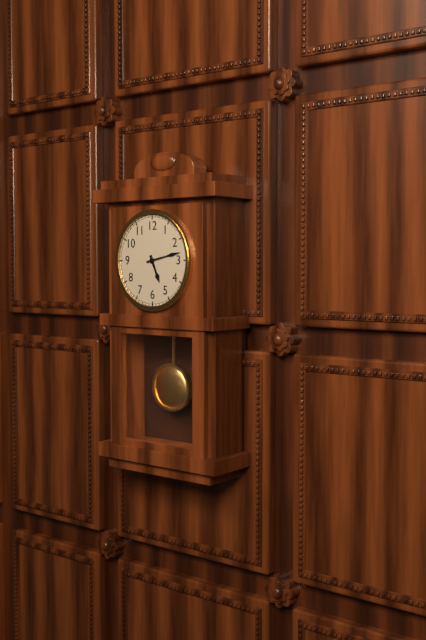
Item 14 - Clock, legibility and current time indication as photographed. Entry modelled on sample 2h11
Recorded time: 5h13
